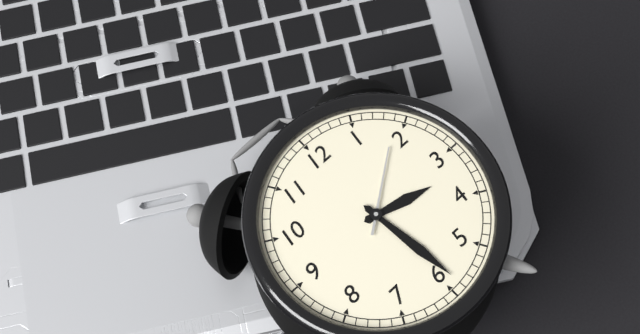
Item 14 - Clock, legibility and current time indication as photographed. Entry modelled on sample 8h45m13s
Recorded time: 3h29m09s
